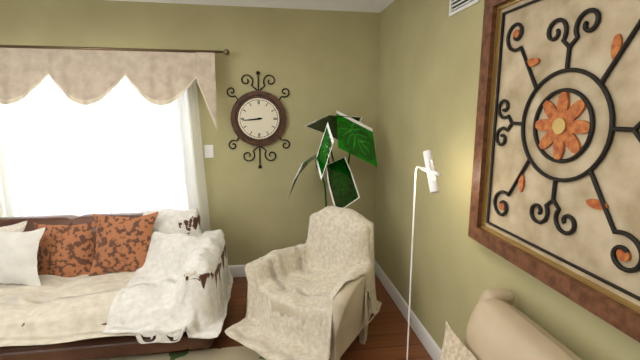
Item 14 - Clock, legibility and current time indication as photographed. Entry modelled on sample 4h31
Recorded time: 8h44
